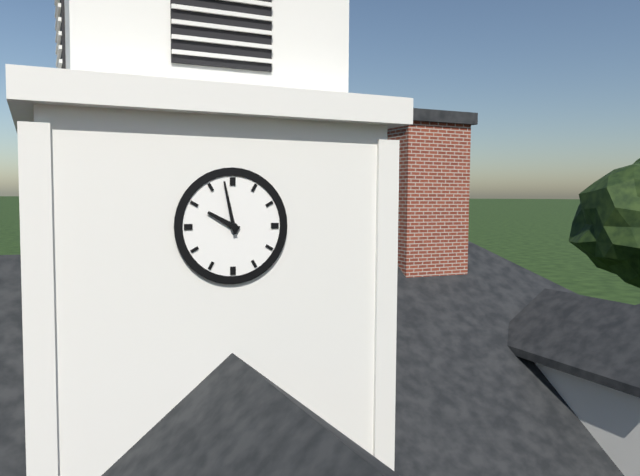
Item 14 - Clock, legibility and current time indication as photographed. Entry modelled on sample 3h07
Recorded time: 9h58
